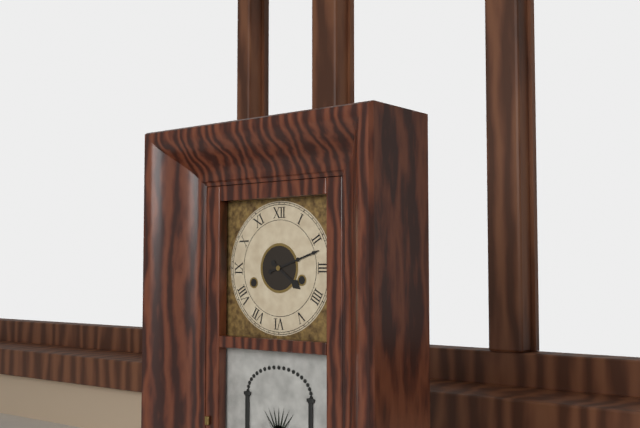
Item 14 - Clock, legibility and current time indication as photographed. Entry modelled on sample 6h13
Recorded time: 4h12
